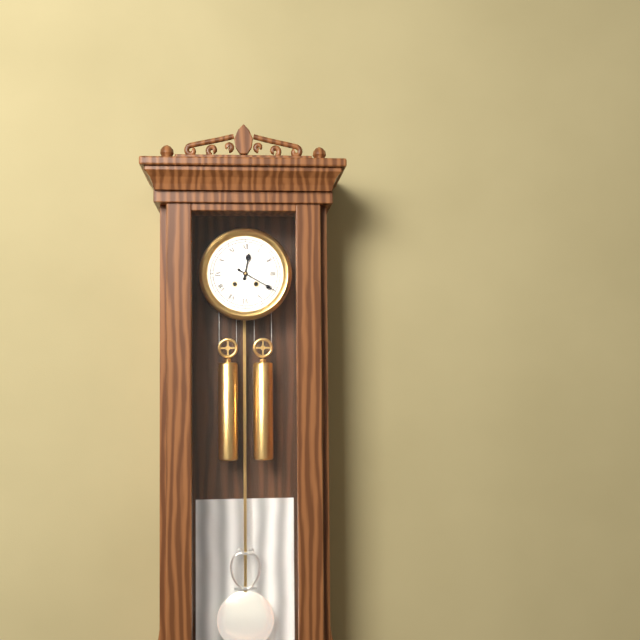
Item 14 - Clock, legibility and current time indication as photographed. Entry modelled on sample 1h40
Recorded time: 12h20
